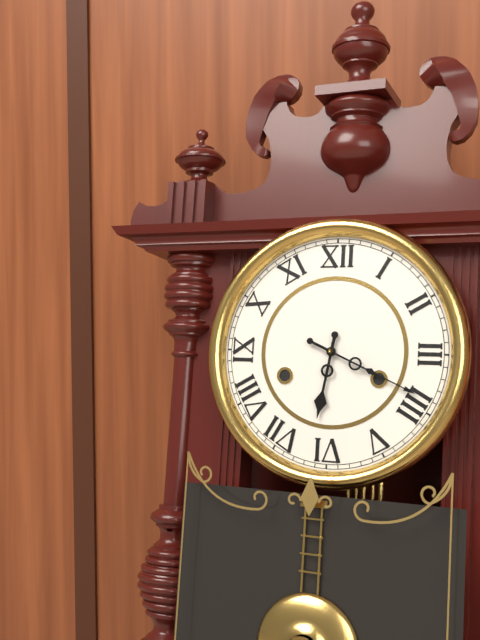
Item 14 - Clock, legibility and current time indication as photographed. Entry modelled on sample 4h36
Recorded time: 6h19
